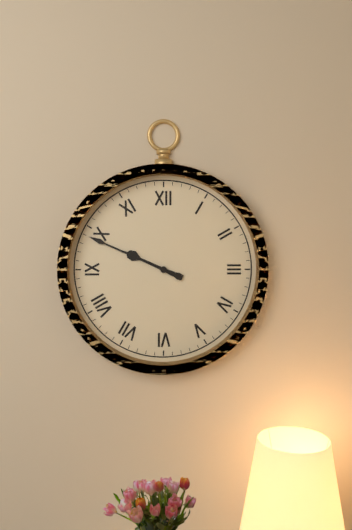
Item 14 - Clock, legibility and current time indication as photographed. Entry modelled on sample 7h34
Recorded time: 9h49
